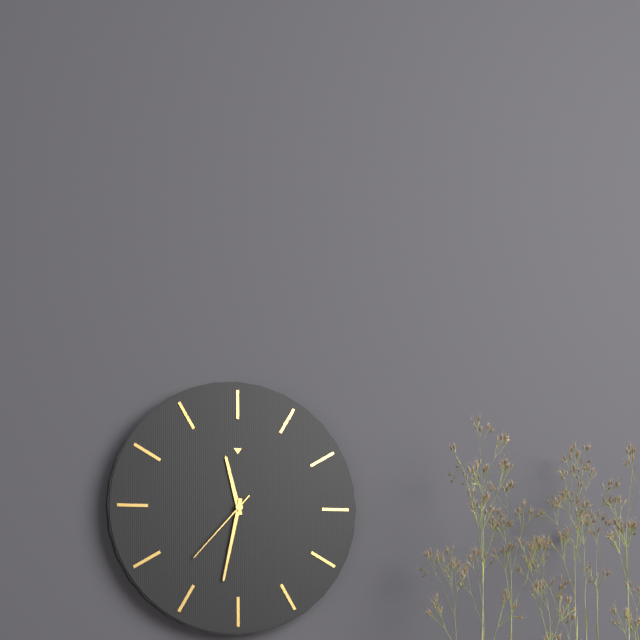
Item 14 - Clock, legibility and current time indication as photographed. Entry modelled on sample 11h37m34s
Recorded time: 11h32m37s
